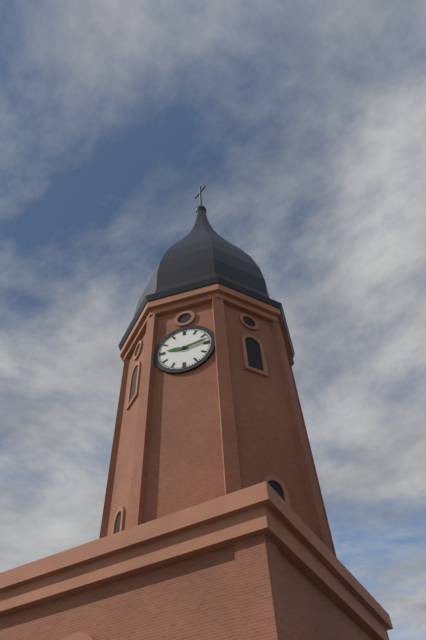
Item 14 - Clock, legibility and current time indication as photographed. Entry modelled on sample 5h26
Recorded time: 9h13
